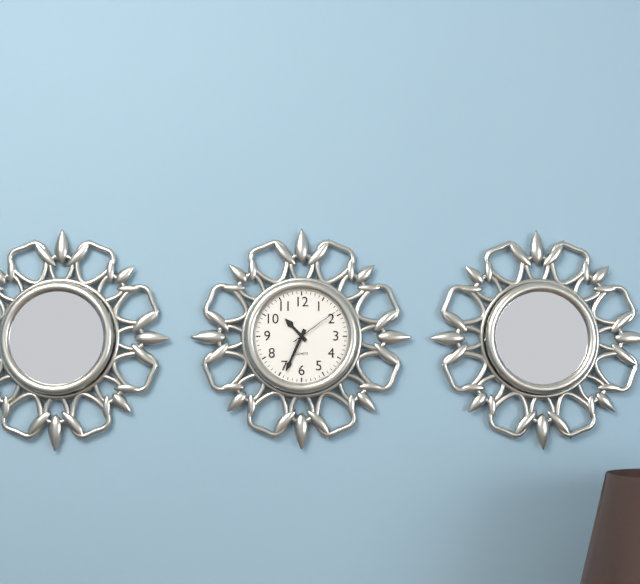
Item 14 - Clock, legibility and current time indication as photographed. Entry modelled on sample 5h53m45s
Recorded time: 10h34m09s
